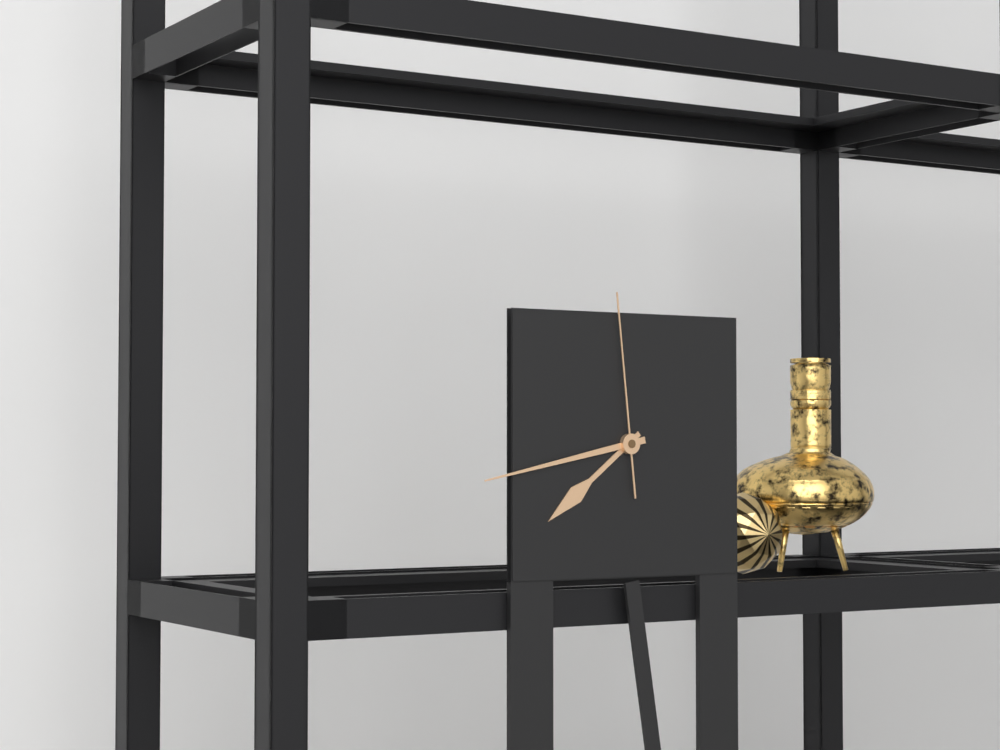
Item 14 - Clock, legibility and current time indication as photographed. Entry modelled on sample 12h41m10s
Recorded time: 7h43m59s
